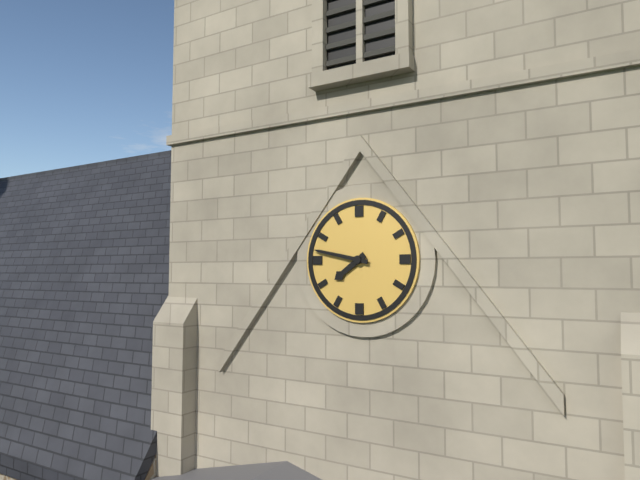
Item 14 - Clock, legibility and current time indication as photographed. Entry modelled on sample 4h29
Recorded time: 7h47
